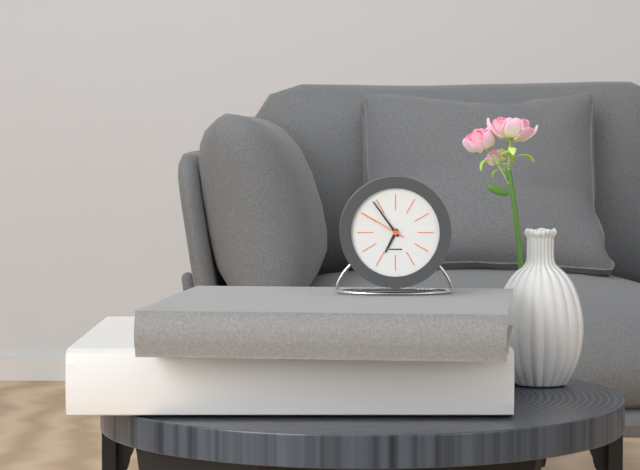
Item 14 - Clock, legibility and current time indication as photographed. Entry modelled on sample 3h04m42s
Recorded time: 6h54m50s
